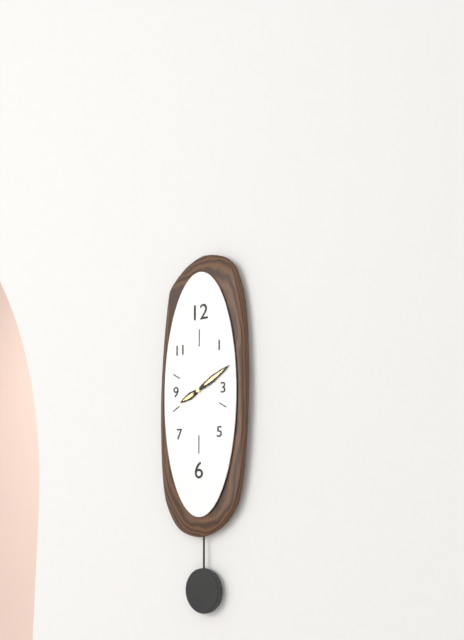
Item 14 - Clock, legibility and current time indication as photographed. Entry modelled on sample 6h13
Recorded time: 8h10
